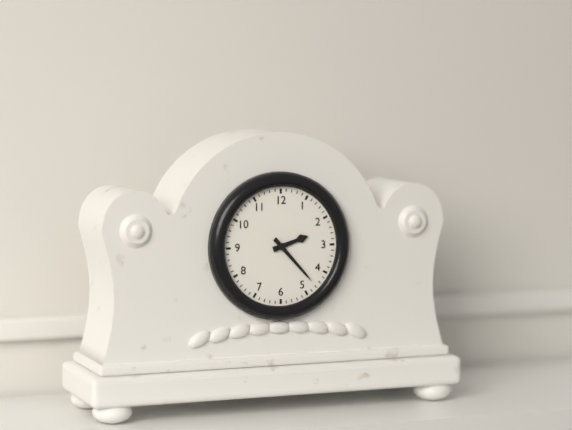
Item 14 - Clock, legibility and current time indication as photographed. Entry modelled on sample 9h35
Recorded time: 2h23
